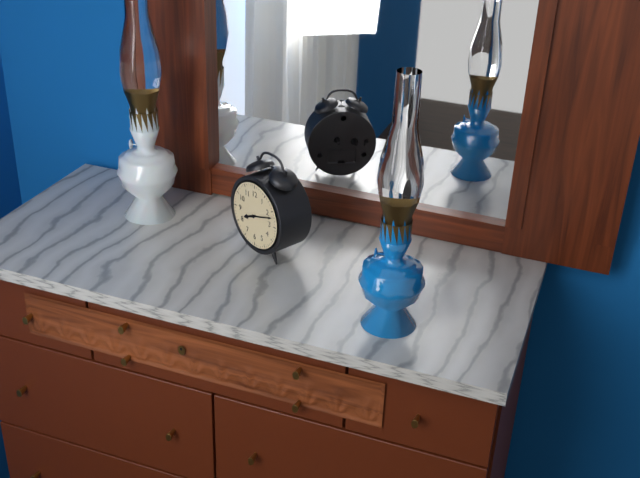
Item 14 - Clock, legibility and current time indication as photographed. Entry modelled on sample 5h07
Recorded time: 8h12
